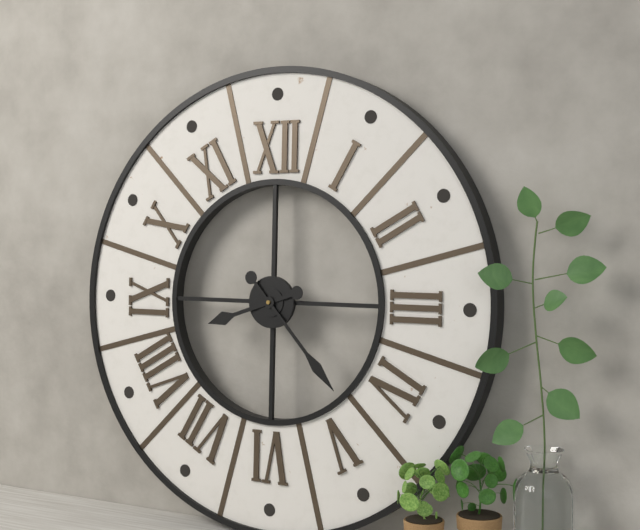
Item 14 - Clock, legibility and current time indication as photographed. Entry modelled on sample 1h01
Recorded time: 8h23
